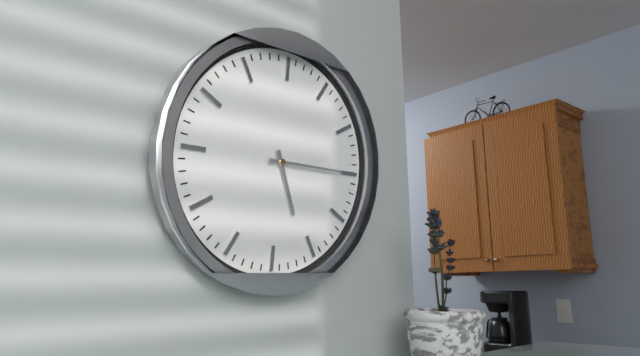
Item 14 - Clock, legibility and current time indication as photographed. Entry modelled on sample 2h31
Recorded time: 5h15
